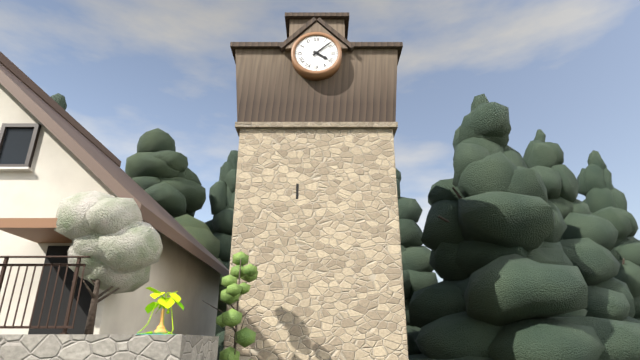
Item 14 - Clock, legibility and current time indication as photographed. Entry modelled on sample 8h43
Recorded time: 4h08
